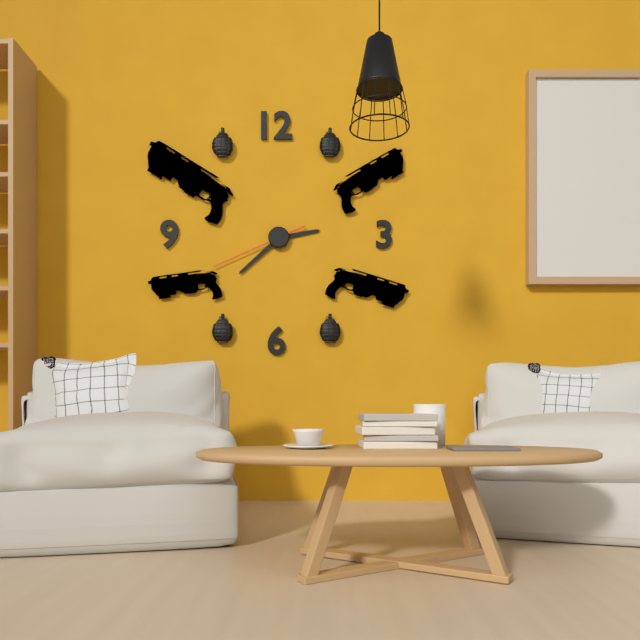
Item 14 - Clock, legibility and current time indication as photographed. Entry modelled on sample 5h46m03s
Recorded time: 2h38m41s
